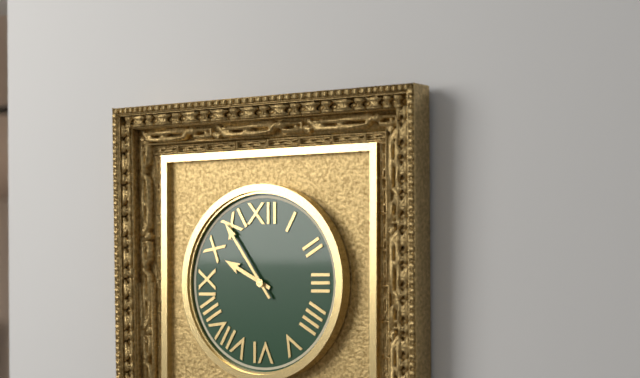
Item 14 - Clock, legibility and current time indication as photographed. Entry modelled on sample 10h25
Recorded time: 9h54
